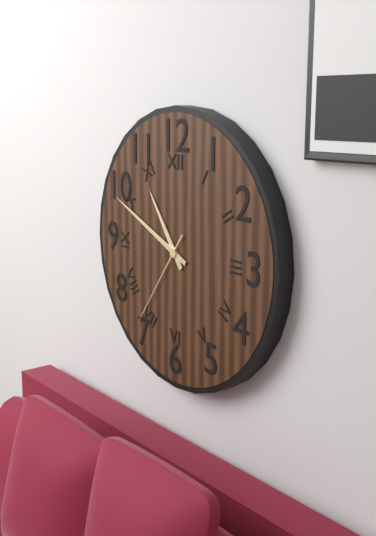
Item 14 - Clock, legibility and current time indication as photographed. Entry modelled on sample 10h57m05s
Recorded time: 10h49m36s
